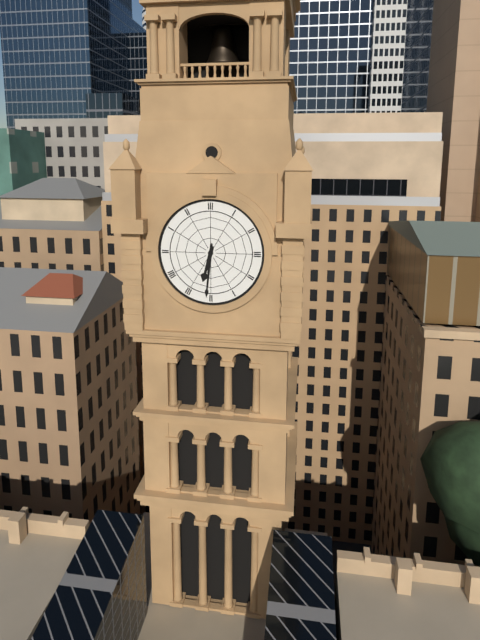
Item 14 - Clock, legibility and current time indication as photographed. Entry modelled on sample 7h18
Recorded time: 6h31
